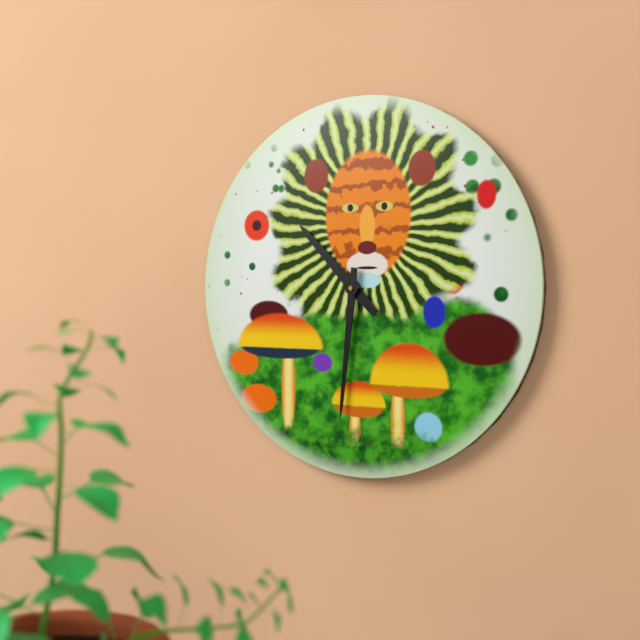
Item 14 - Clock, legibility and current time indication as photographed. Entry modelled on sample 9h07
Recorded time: 10h31
